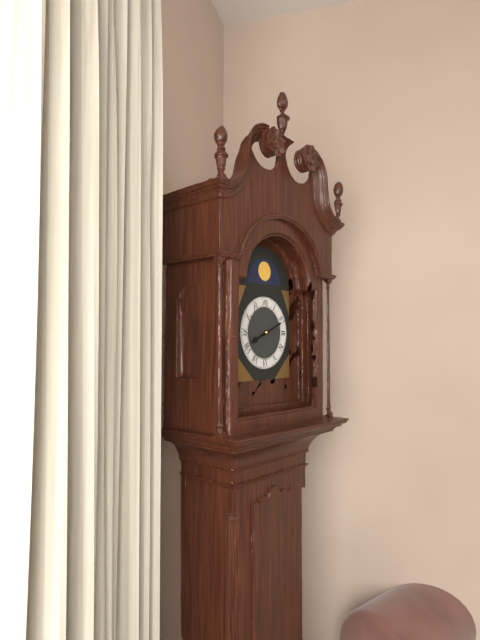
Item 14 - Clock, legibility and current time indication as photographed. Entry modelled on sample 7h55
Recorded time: 8h11
